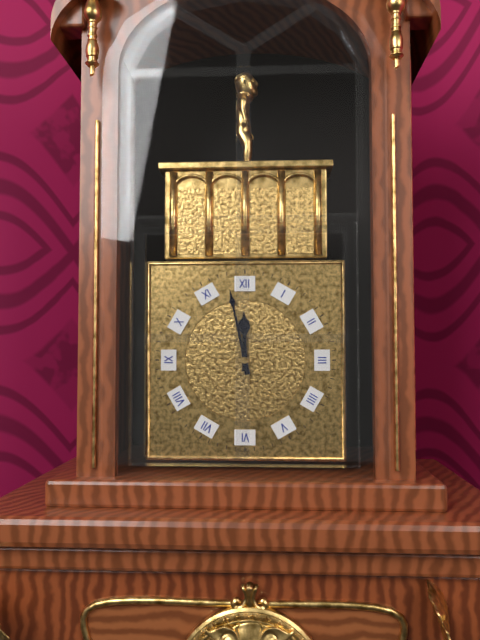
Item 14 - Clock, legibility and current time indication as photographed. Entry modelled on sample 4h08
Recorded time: 11h58
